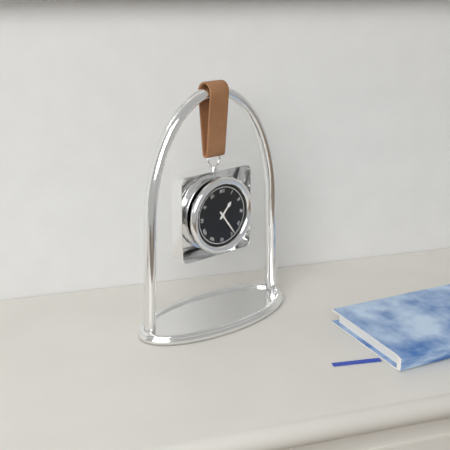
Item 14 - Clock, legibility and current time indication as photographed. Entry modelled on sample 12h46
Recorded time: 1h24
